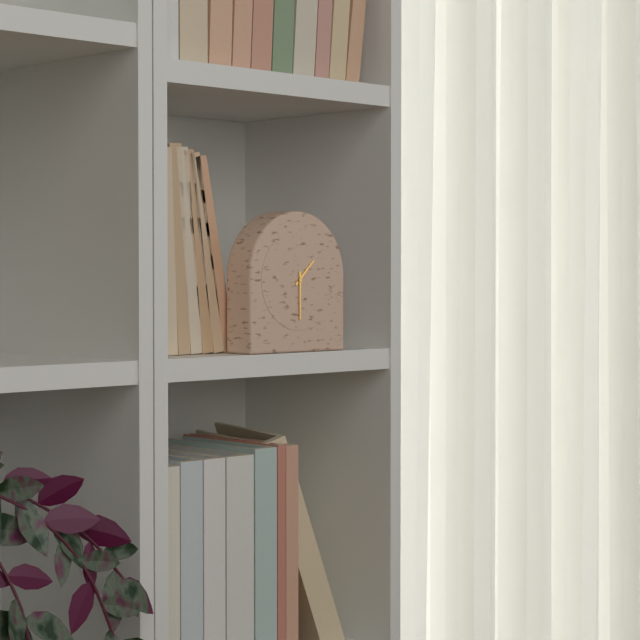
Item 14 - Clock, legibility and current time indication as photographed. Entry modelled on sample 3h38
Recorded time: 1h30
